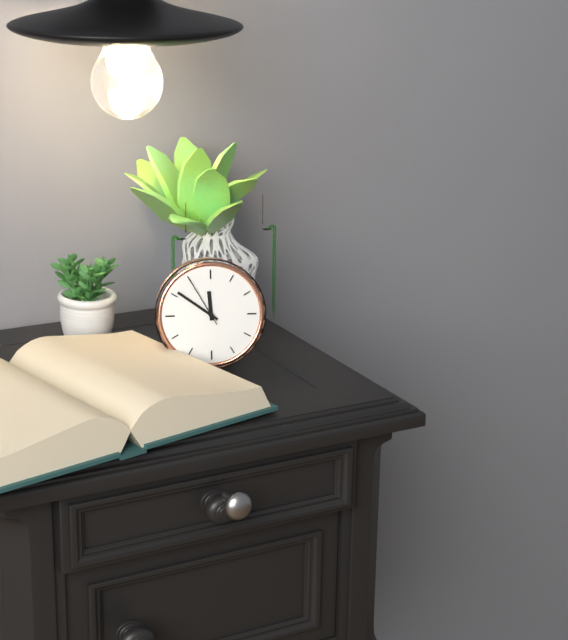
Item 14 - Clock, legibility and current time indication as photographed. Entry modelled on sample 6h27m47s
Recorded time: 11h51m55s
